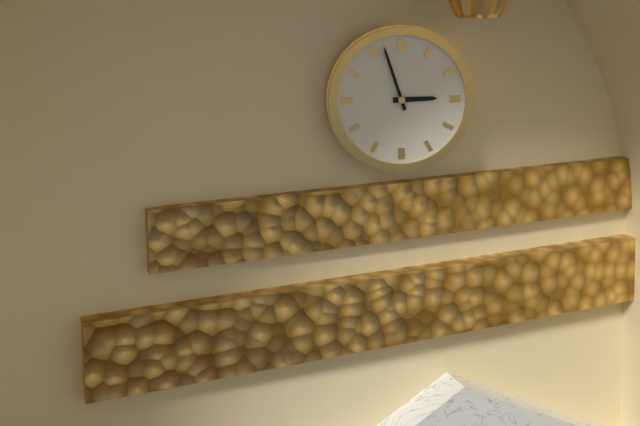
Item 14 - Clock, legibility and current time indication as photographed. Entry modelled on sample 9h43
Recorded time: 2h57
